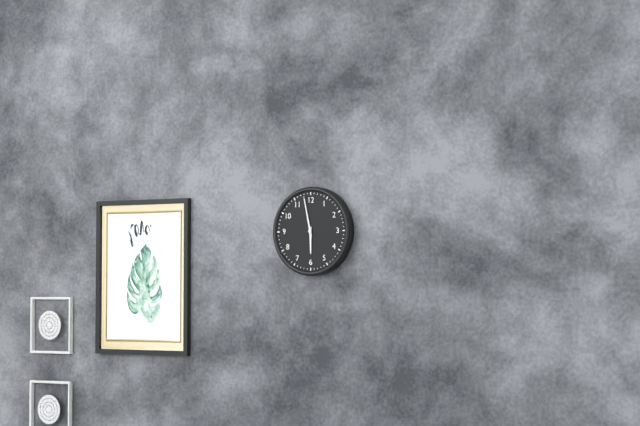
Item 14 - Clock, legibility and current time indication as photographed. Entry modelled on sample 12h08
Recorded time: 5h58
